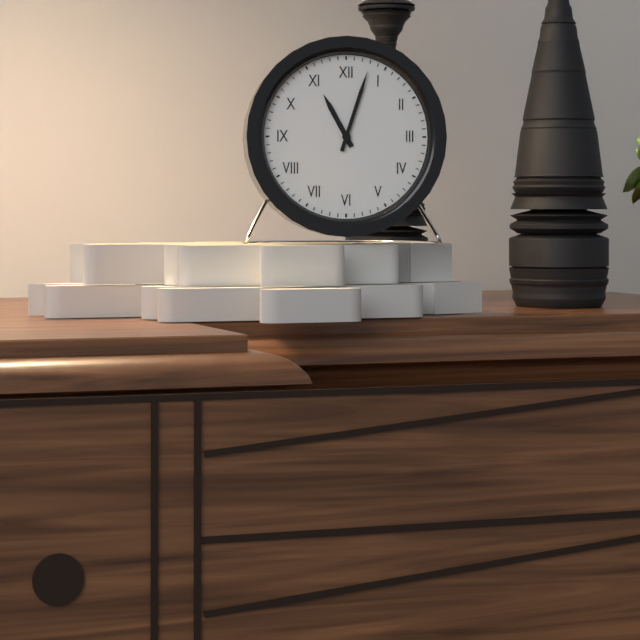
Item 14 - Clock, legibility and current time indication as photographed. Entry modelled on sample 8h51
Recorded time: 11h03
